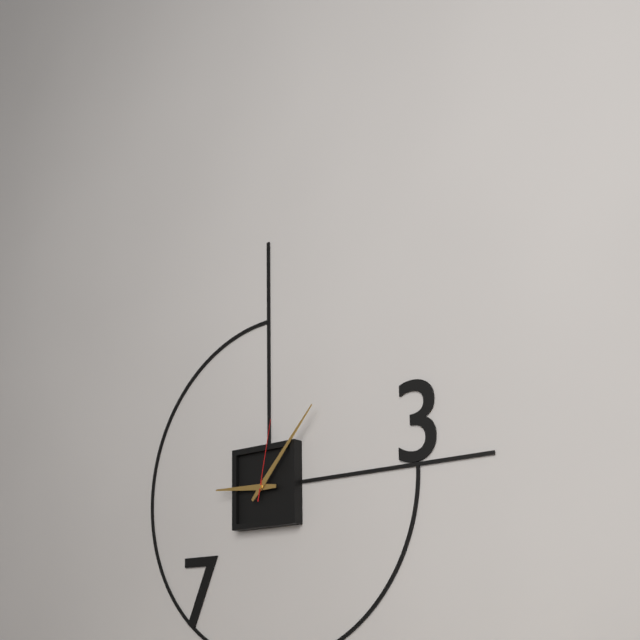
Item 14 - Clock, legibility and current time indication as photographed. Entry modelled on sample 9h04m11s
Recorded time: 9h07m02s
